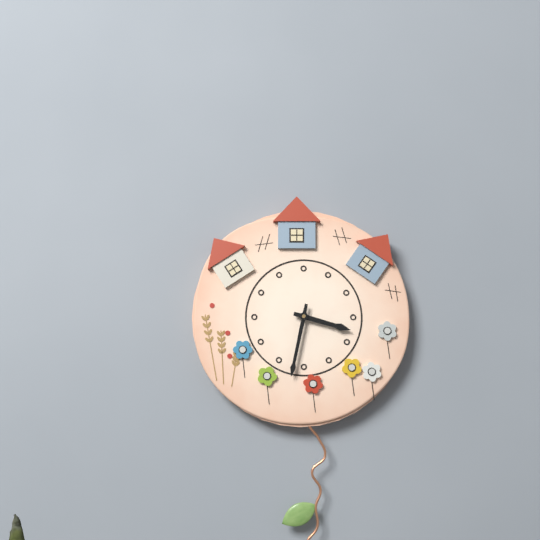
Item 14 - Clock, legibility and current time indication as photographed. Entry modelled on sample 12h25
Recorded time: 3h32
